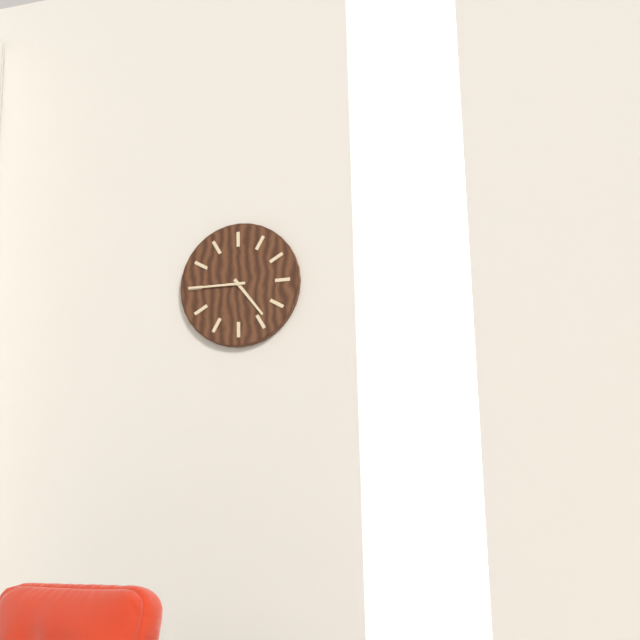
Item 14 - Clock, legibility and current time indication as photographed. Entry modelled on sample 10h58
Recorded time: 4h45
